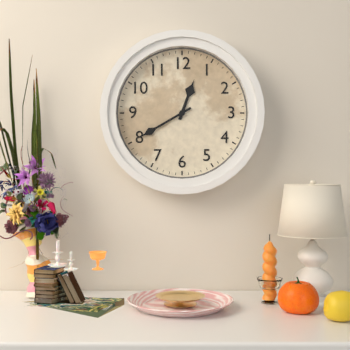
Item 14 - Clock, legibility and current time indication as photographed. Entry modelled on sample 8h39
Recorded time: 12h40
